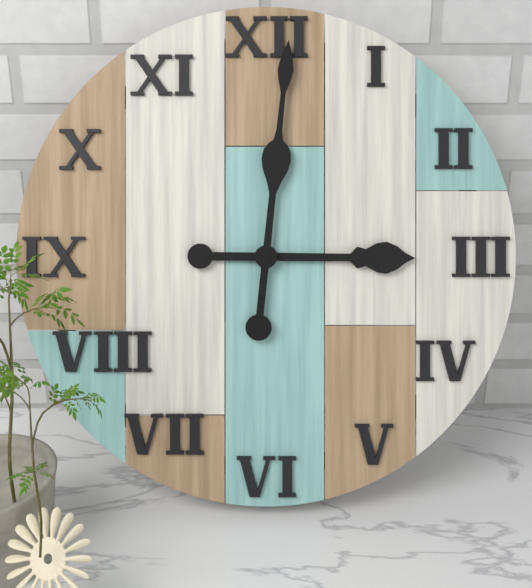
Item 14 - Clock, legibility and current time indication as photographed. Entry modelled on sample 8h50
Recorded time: 3h01
